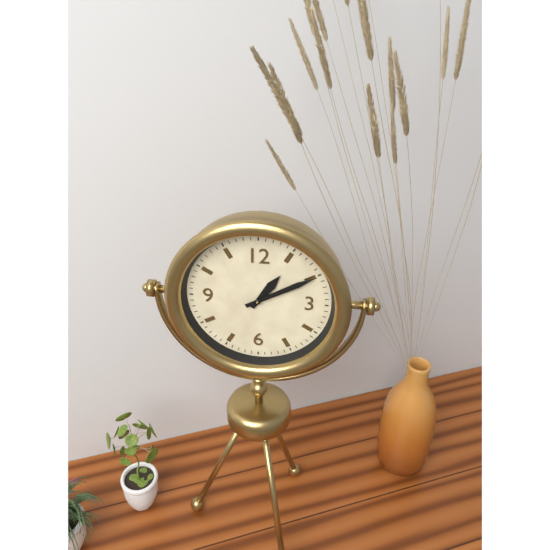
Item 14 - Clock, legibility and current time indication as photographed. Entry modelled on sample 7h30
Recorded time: 1h10
